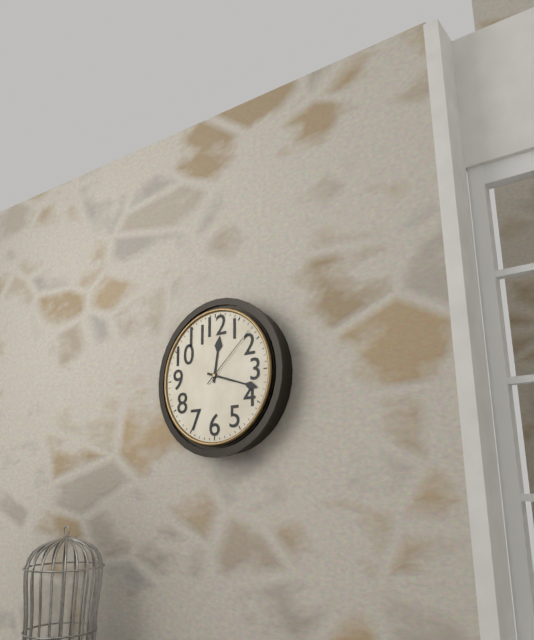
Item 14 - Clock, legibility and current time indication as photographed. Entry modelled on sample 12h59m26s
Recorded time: 12h18m08s
